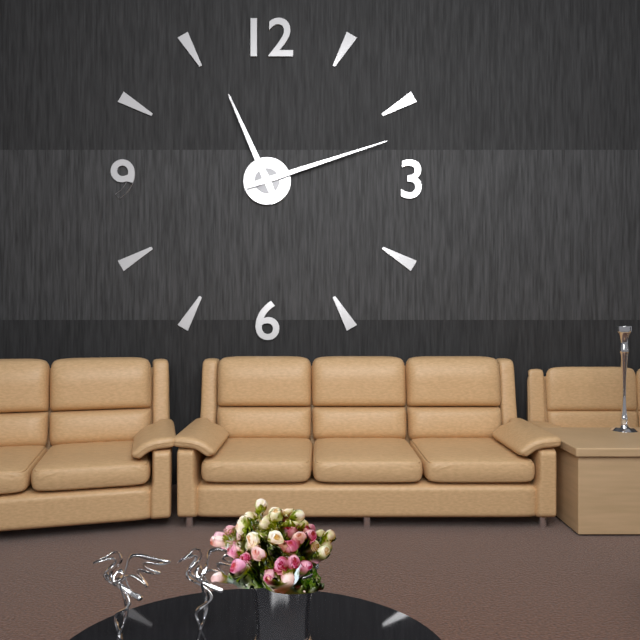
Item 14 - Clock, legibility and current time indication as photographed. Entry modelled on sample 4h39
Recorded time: 11h12
